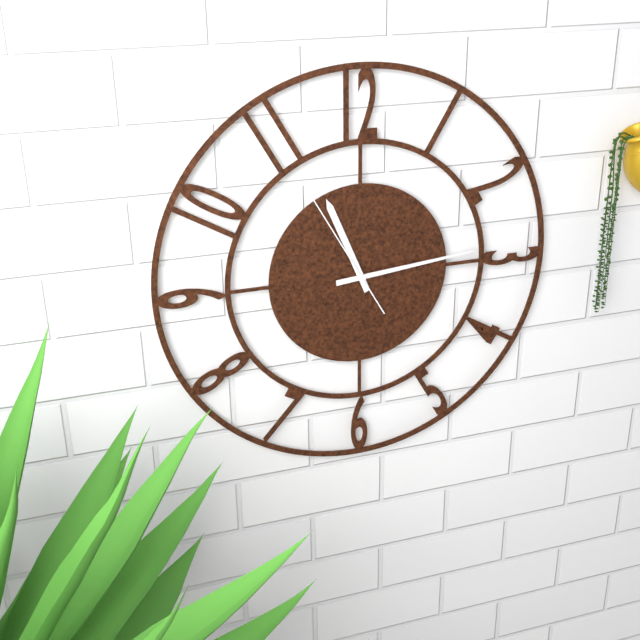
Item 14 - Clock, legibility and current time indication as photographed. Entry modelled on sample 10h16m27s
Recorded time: 11h14m55s
